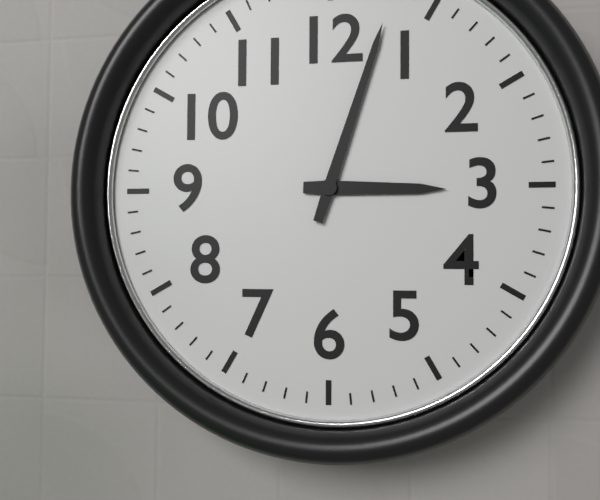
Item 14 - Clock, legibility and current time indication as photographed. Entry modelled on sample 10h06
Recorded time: 3h03
